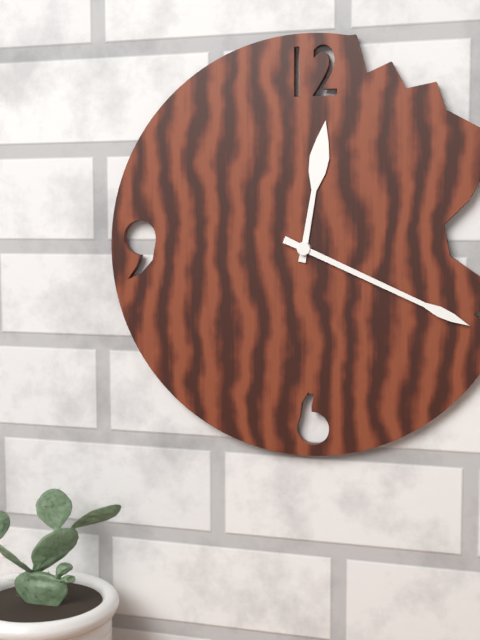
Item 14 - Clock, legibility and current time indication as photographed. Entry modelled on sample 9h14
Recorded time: 12h19
